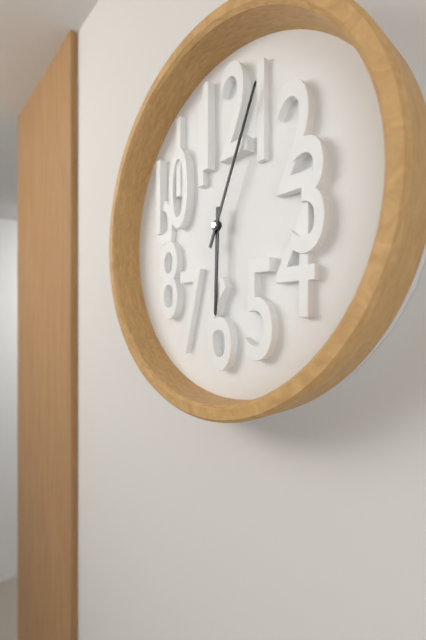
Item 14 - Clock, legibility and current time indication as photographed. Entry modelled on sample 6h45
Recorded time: 6h04
